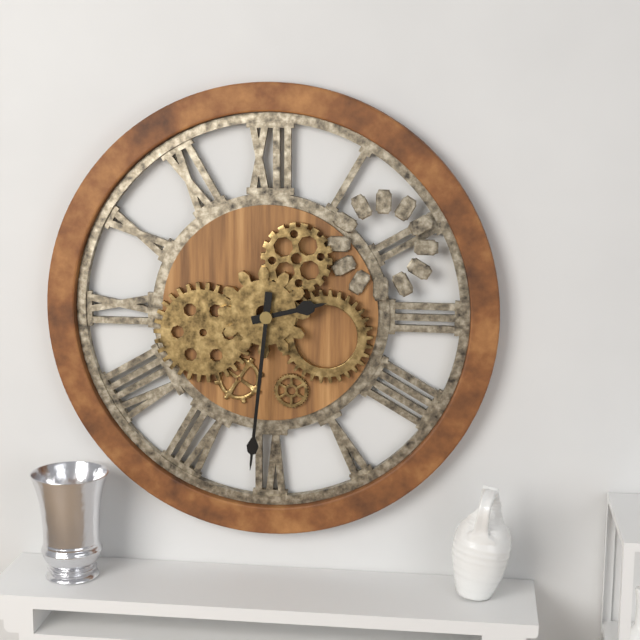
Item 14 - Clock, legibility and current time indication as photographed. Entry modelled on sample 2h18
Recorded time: 2h31
